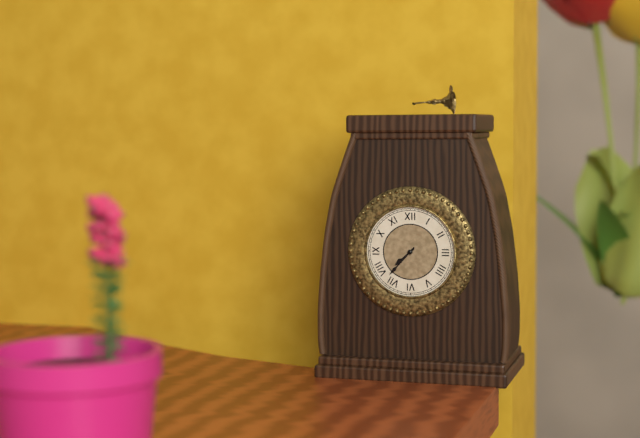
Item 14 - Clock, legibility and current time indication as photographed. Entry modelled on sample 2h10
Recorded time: 7h37
